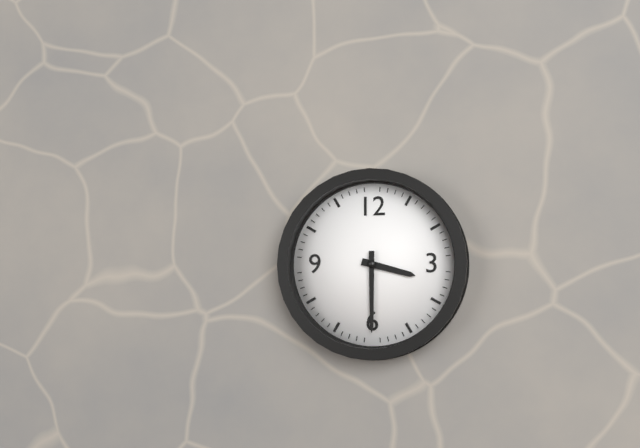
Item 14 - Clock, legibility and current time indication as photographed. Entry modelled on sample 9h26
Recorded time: 3h30
